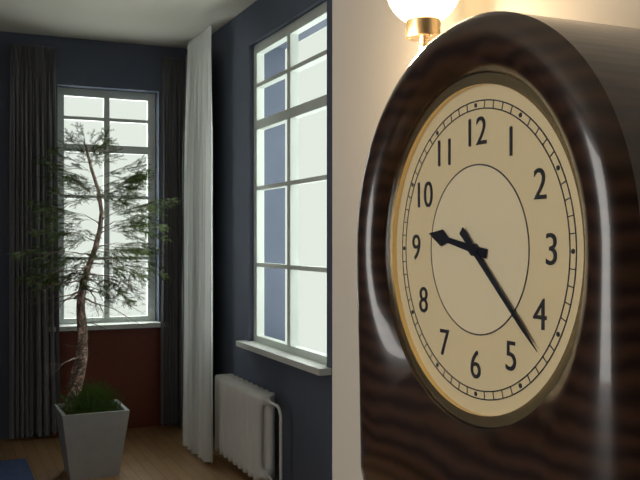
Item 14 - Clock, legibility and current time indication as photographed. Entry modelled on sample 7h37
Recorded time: 9h22
